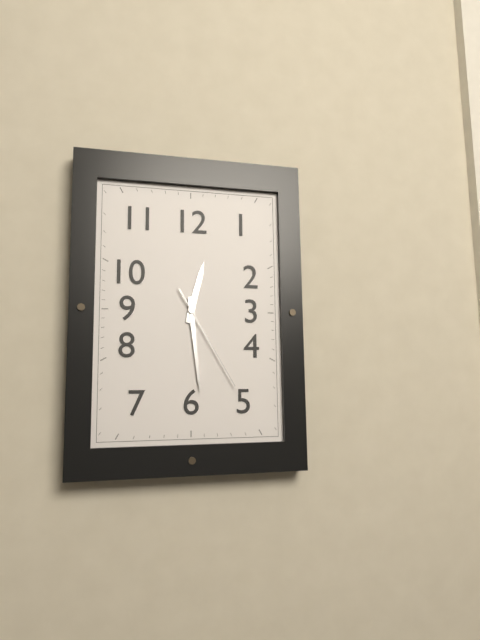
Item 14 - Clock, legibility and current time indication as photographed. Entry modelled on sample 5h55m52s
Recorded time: 12h29m25s
